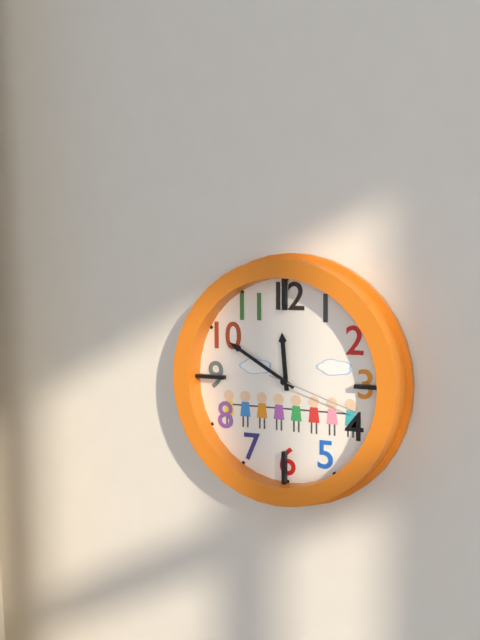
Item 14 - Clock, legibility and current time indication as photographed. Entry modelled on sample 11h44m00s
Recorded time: 11h50m18s
